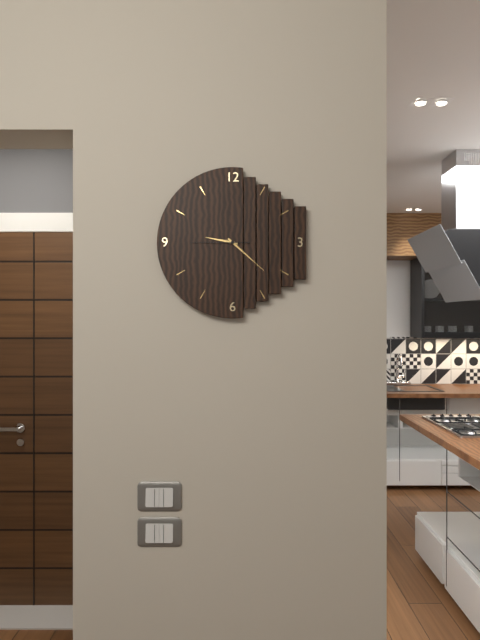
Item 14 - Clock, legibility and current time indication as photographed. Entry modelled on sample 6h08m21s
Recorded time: 9h22m45s
